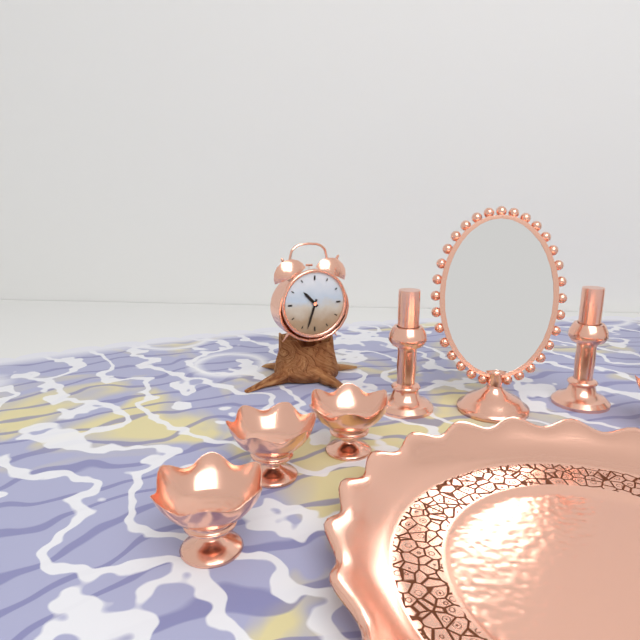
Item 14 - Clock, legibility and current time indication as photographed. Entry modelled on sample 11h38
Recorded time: 10h33
